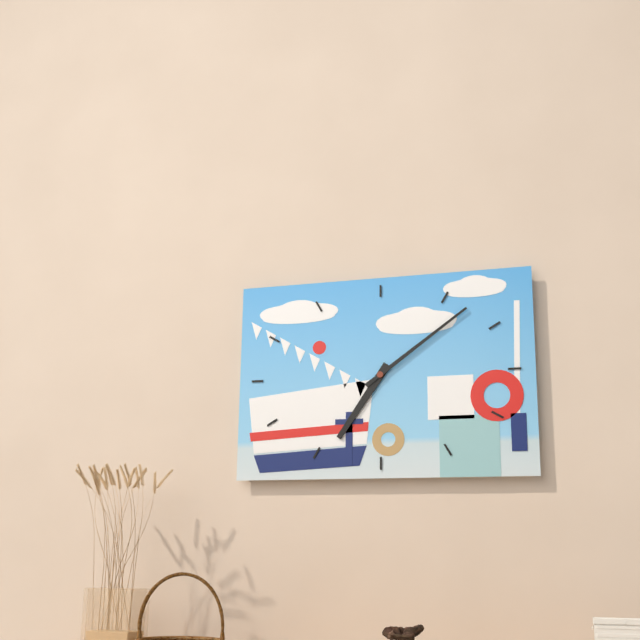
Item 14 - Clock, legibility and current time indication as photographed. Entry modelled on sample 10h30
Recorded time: 7h09
